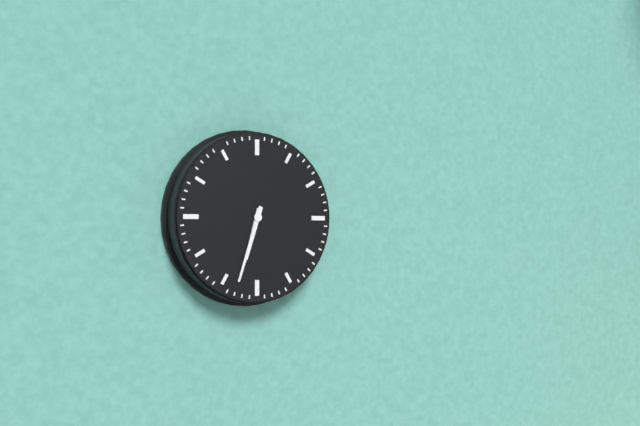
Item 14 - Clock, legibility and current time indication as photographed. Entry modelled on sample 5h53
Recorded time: 6h33
